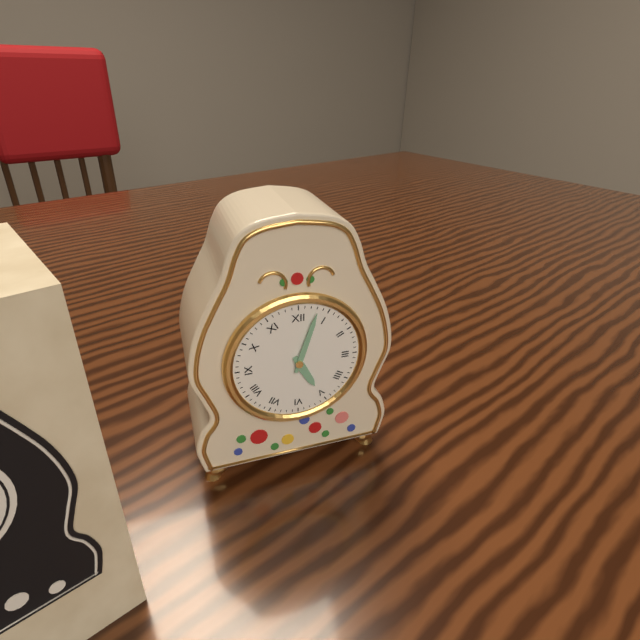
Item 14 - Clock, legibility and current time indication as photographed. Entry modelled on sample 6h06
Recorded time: 5h03
